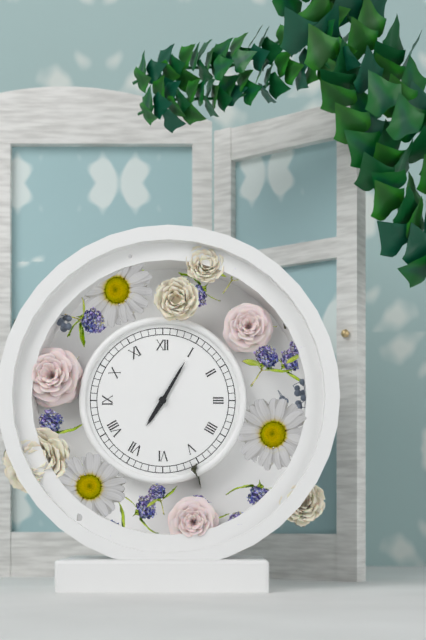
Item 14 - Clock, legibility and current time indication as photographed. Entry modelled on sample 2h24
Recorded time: 7h05
